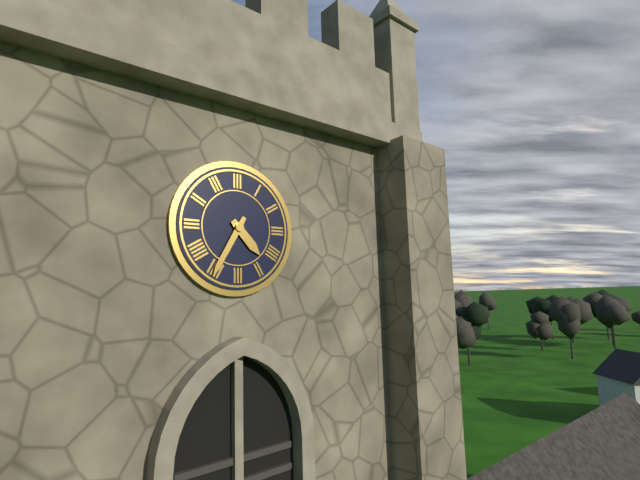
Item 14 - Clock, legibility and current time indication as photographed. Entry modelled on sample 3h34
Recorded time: 4h35
